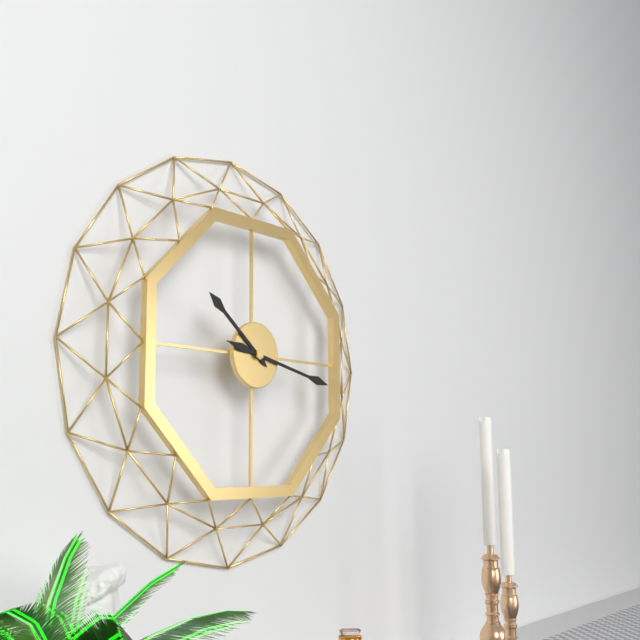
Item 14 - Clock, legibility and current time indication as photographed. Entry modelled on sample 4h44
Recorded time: 10h17
